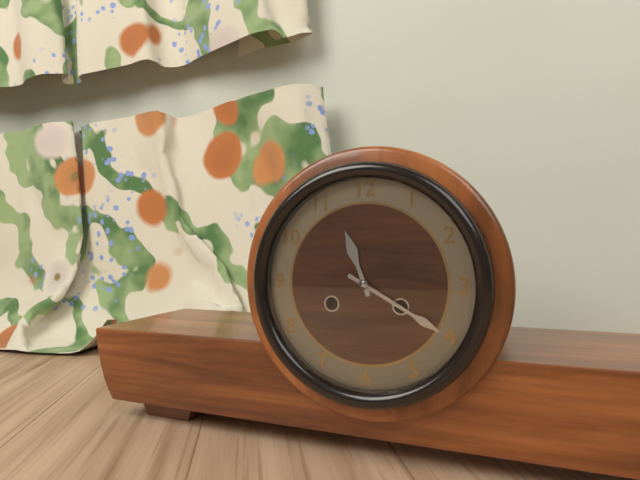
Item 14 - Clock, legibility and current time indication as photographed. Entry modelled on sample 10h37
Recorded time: 11h20
